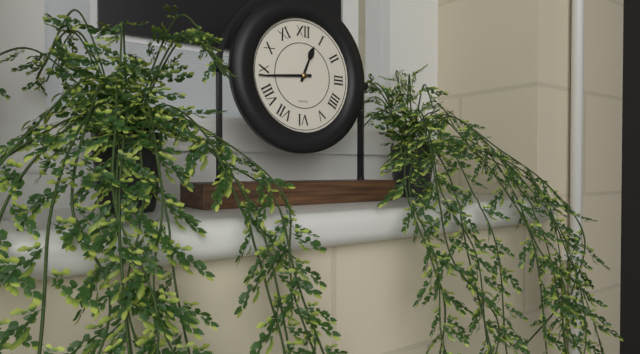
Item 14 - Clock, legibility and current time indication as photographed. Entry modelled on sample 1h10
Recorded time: 12h44
